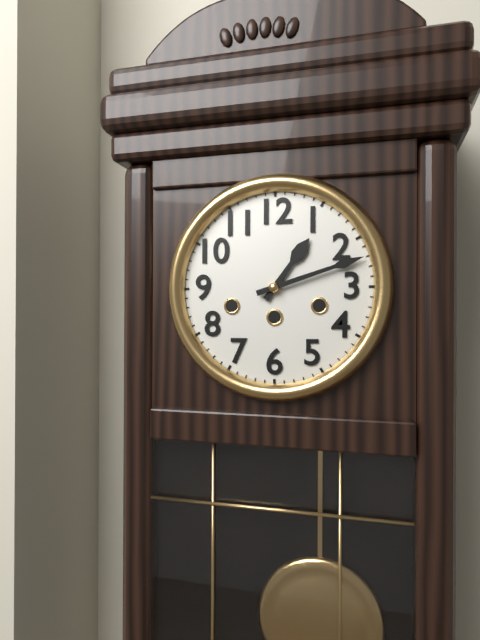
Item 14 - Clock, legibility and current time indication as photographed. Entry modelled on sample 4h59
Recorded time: 1h12
